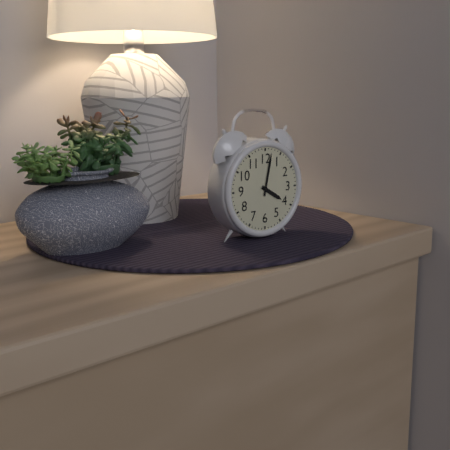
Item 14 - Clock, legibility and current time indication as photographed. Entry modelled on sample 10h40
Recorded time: 4h02
